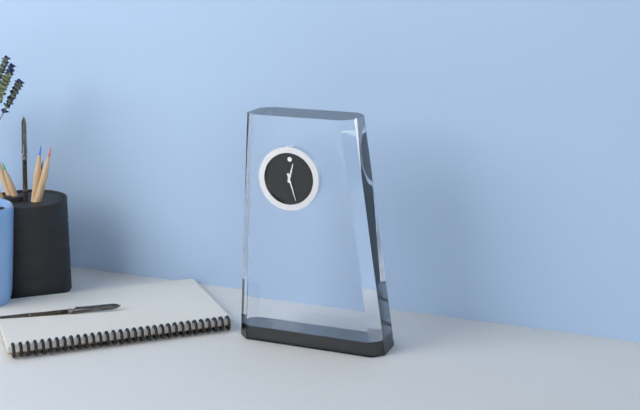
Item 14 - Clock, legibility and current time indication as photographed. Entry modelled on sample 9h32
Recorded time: 12h27
